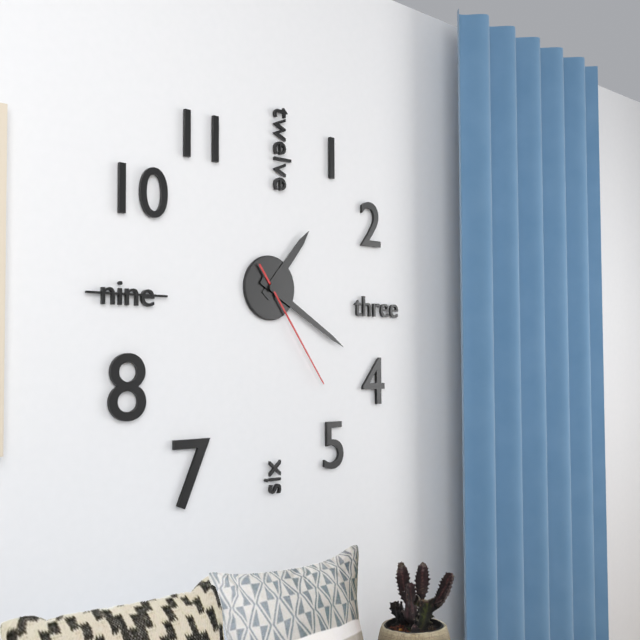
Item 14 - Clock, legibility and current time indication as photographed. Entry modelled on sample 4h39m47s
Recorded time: 1h20m24s
